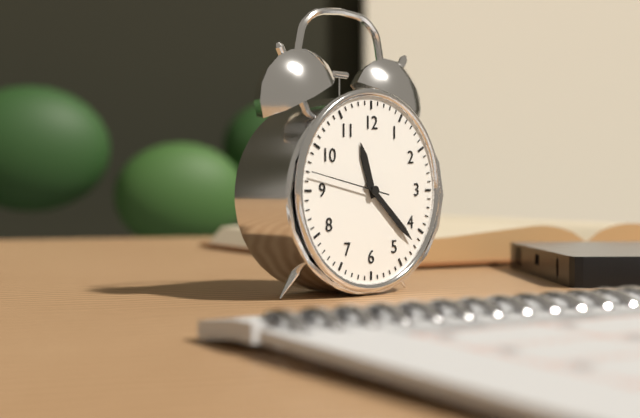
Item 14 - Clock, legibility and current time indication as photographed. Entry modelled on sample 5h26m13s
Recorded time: 11h22m47s
